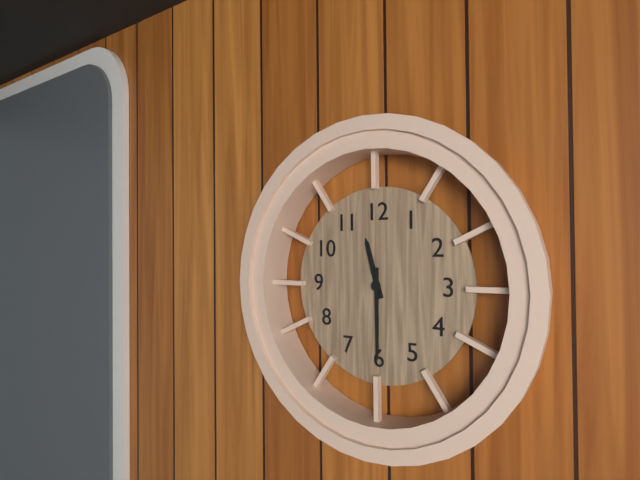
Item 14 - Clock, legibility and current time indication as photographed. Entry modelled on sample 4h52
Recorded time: 11h30
